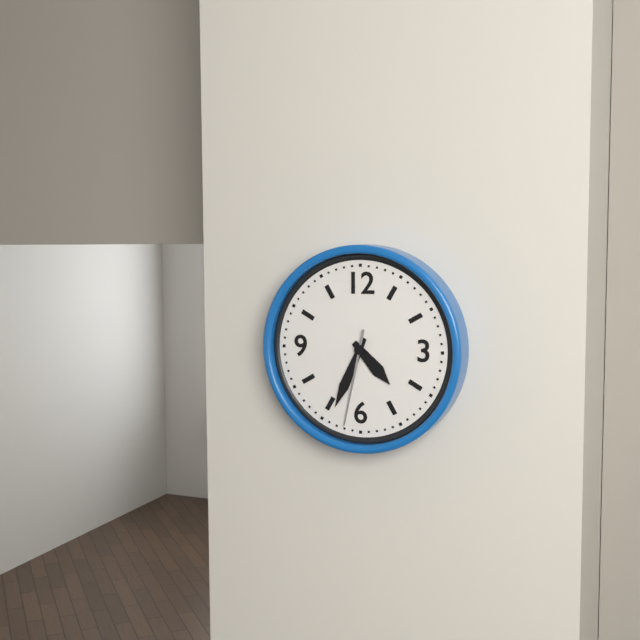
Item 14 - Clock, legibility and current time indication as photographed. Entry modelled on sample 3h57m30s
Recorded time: 4h34m32s
